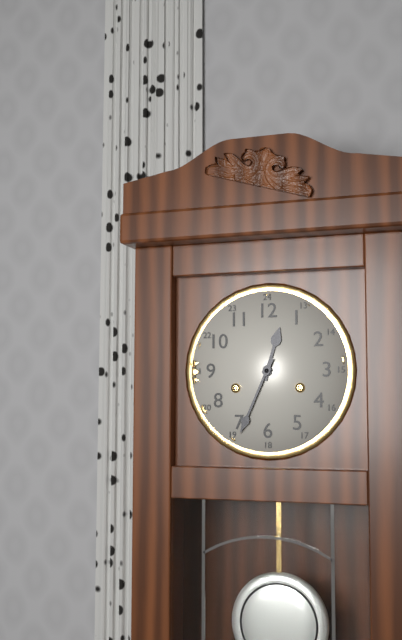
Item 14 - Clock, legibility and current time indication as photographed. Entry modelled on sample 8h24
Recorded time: 12h34
